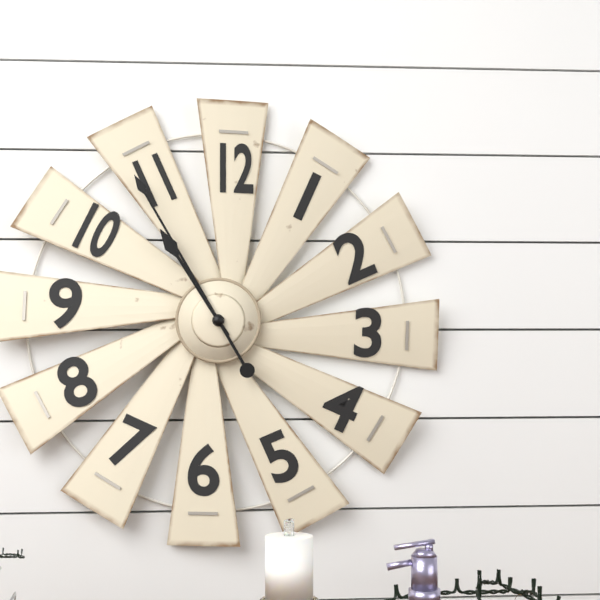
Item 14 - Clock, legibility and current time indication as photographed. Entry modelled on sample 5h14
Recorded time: 10h55
